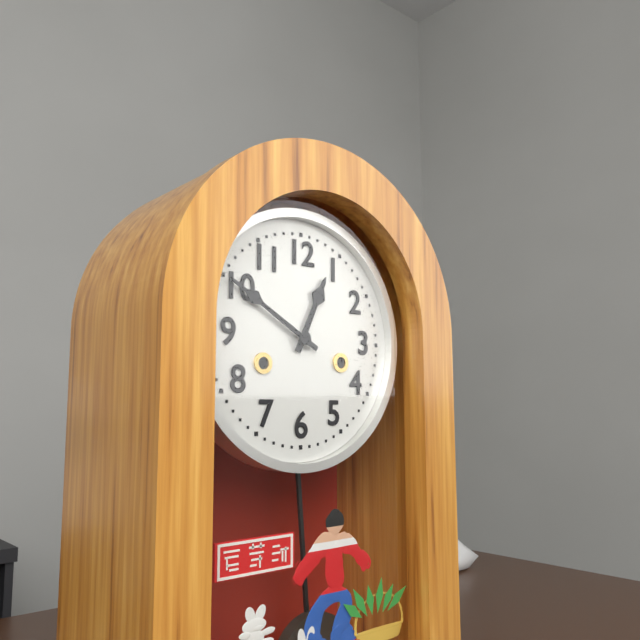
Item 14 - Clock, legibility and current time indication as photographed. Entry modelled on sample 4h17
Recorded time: 12h50
